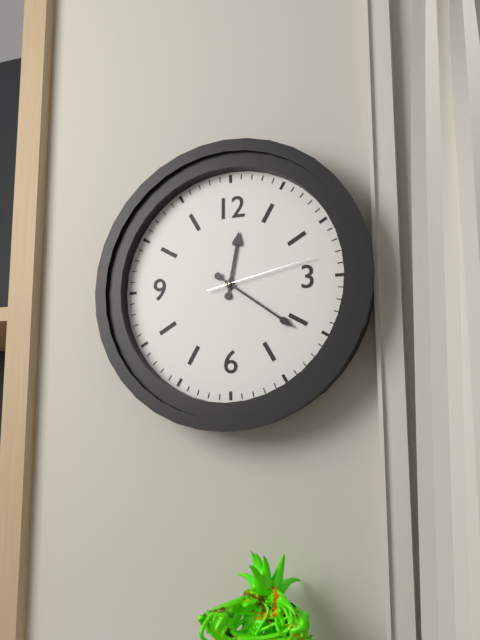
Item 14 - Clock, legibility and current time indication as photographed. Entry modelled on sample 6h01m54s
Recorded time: 12h21m13s
